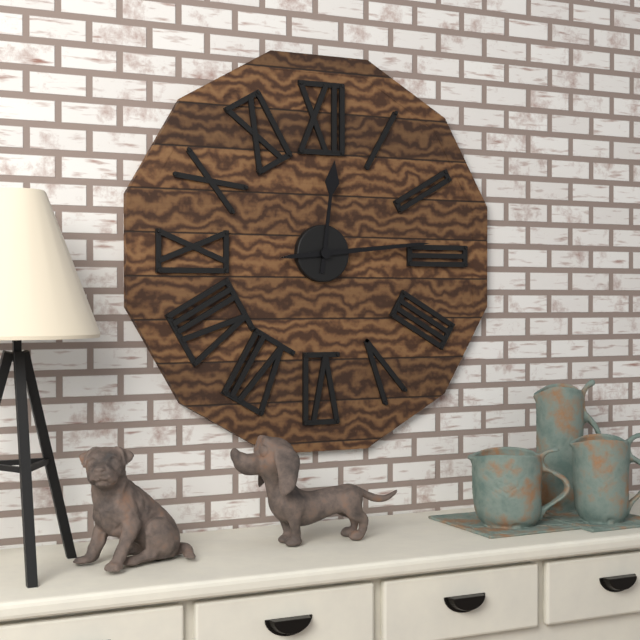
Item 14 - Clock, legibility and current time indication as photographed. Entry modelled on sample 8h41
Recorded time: 12h14
